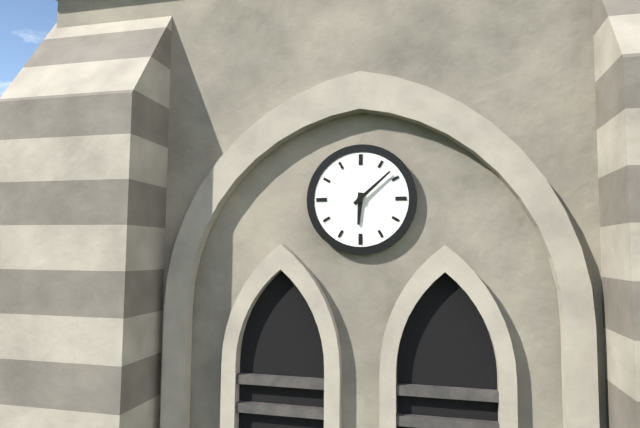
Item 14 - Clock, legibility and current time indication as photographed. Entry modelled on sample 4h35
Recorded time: 6h08
